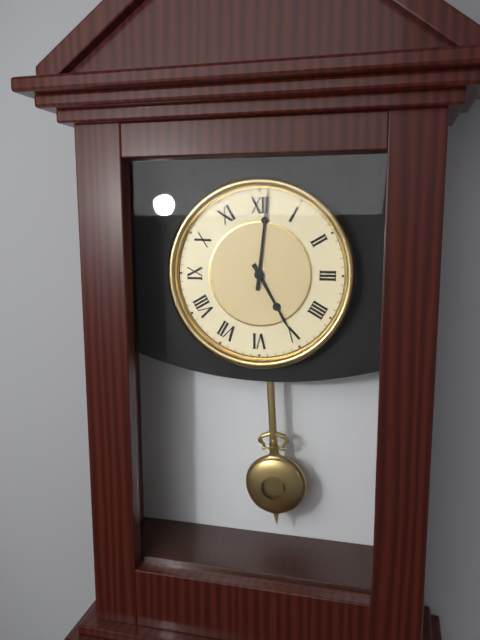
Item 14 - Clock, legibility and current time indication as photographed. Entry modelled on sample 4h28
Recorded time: 5h01
